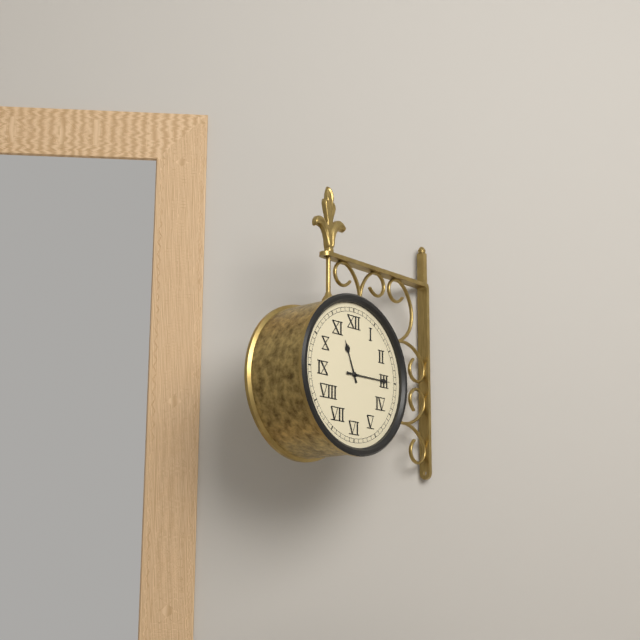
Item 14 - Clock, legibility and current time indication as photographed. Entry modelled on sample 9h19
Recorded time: 11h15
